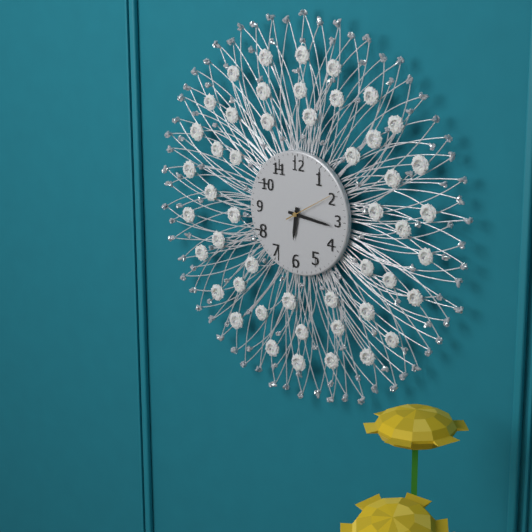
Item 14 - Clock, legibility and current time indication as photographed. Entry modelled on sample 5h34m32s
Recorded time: 6h16m10s
